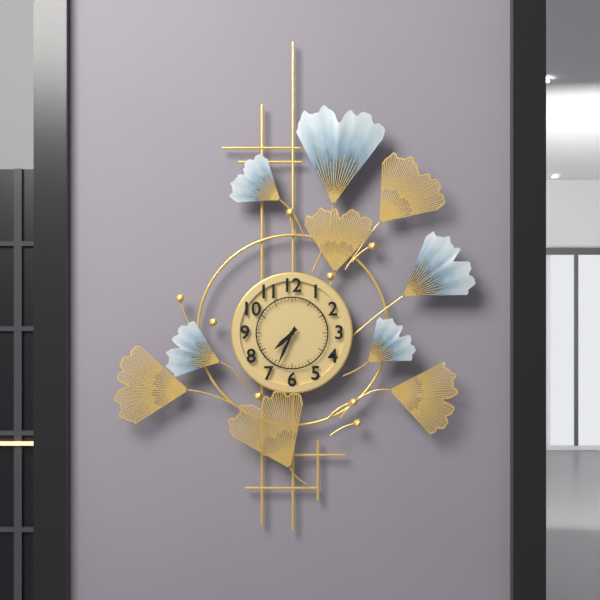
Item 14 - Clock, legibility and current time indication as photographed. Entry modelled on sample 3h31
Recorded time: 7h34
